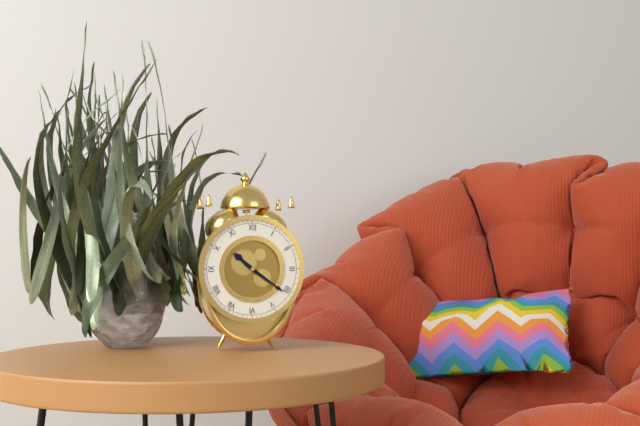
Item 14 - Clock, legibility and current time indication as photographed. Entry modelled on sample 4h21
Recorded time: 10h21
